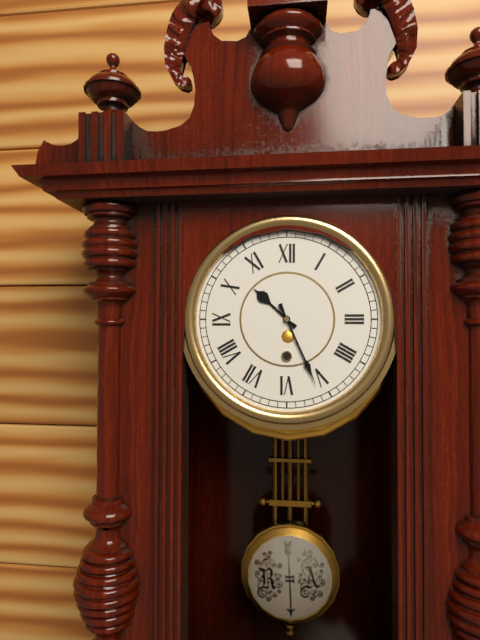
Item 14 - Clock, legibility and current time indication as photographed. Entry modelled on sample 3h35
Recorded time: 10h26
